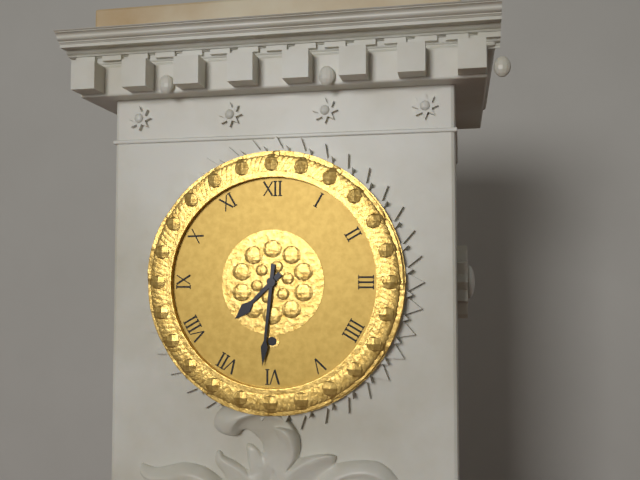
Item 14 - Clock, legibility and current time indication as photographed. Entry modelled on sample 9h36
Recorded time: 7h31
